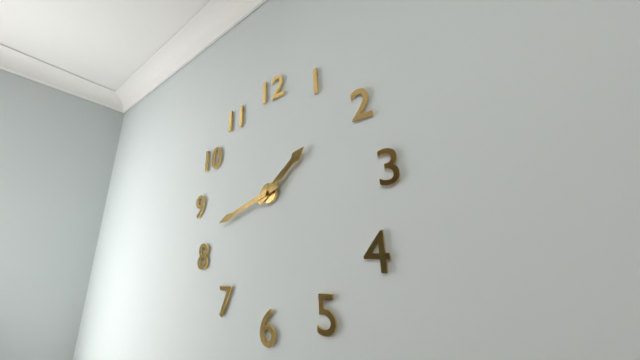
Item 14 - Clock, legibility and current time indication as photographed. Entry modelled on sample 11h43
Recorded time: 1h42
